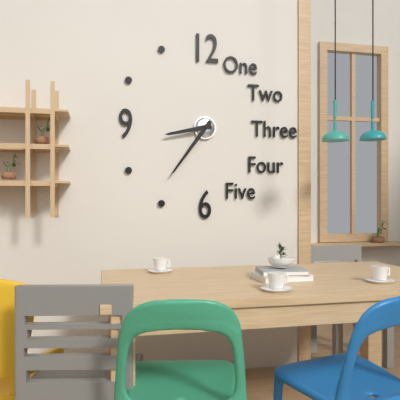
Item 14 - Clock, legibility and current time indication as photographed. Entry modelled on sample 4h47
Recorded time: 8h36
